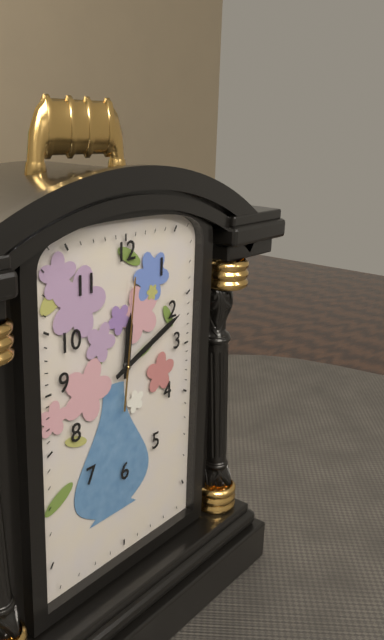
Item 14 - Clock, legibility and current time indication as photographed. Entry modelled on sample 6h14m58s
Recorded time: 12h11m01s
